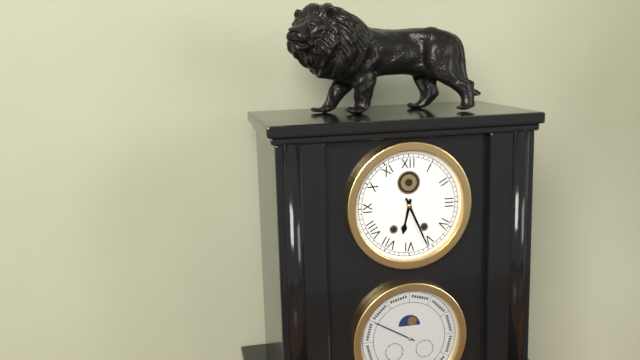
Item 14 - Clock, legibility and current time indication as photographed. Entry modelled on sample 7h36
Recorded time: 6h26
